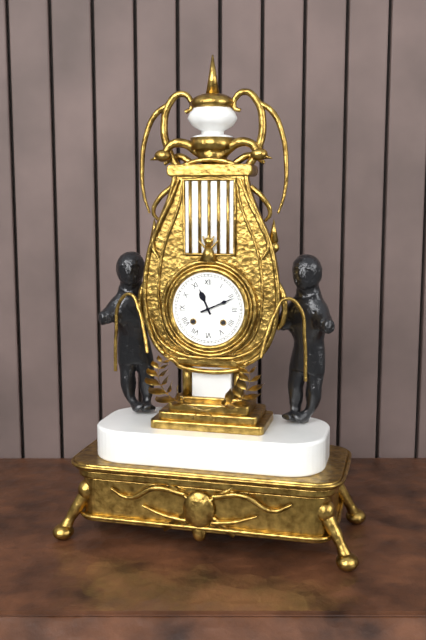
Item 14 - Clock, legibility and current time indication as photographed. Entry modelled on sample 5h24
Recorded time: 11h11
